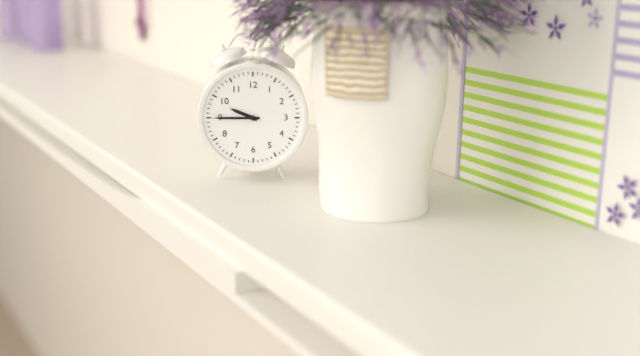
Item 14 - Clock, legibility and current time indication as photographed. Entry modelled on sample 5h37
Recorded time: 9h45
